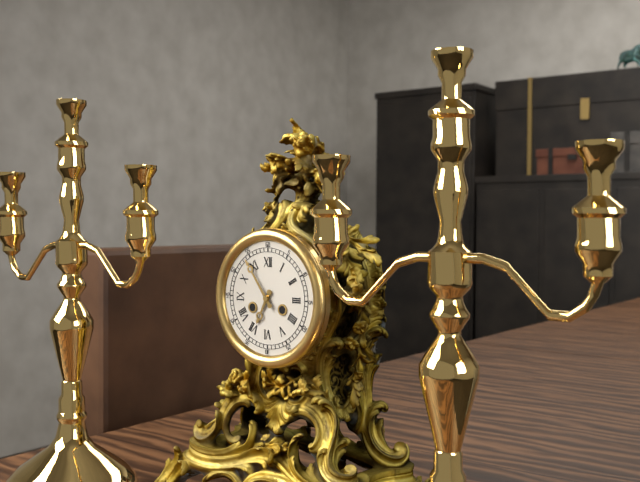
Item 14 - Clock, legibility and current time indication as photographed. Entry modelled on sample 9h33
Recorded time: 6h54
